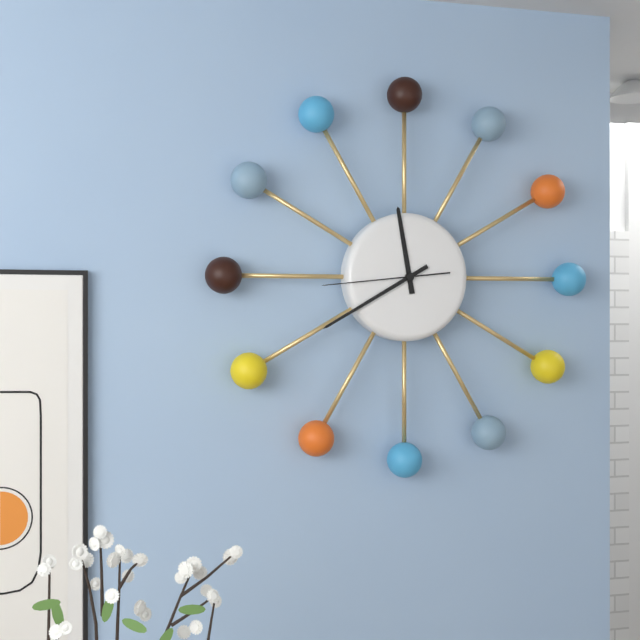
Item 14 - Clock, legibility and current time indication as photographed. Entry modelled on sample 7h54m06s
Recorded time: 11h40m44s
